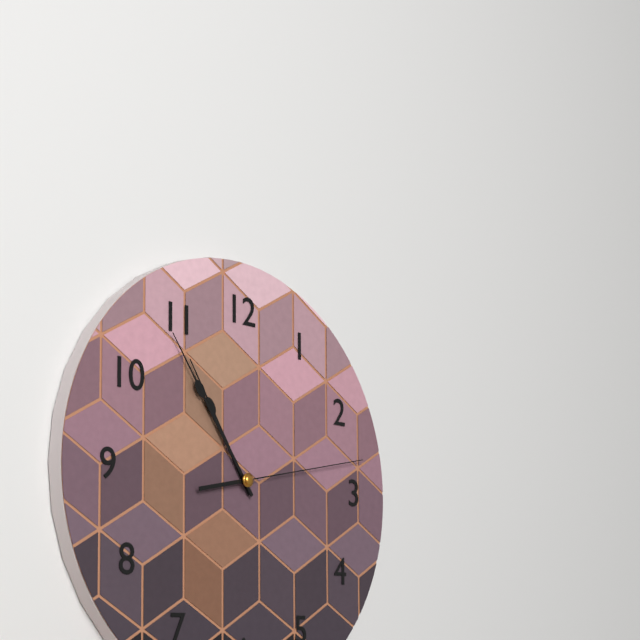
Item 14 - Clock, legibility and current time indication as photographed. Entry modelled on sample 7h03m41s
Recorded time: 10h54m13s
